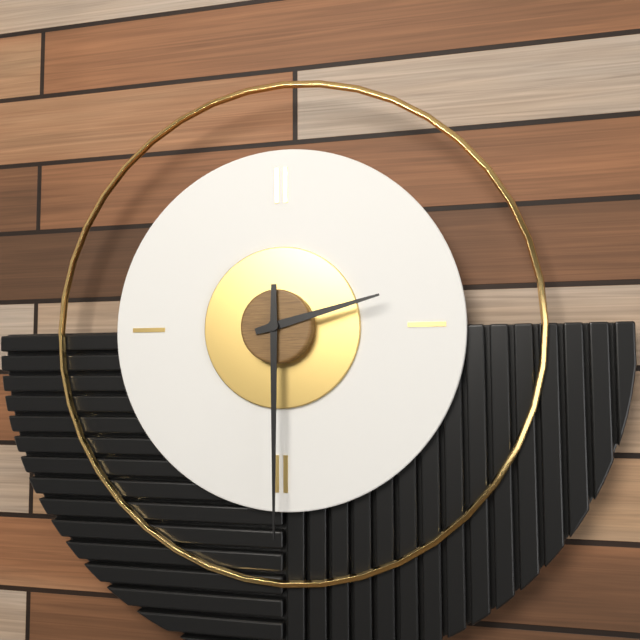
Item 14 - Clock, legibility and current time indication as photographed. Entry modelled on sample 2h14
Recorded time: 2h30
